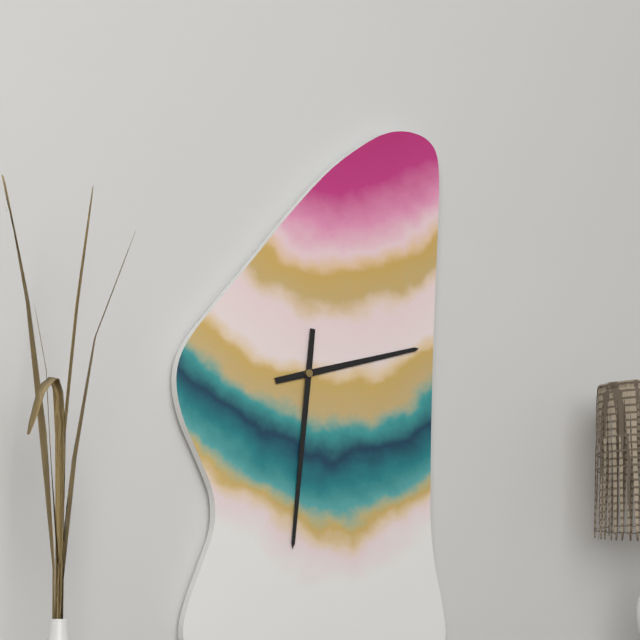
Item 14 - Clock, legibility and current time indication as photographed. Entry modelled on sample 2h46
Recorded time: 2h31
